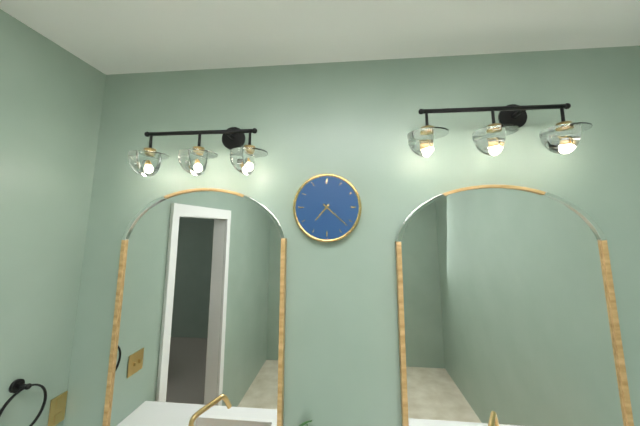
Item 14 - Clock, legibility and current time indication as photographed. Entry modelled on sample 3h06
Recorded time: 7h22
